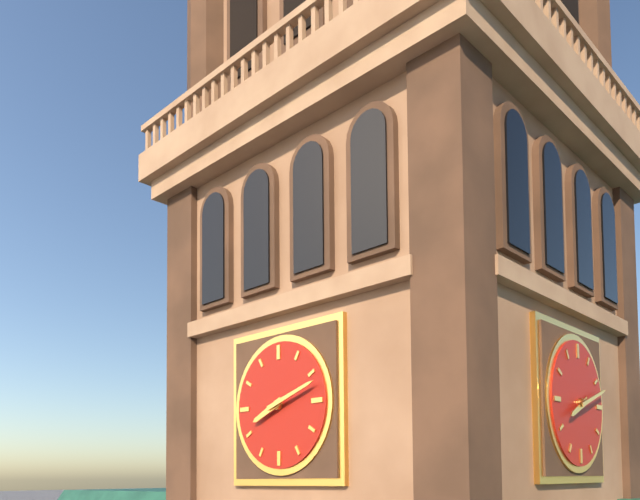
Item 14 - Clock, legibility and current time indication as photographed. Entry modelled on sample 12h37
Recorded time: 8h12
